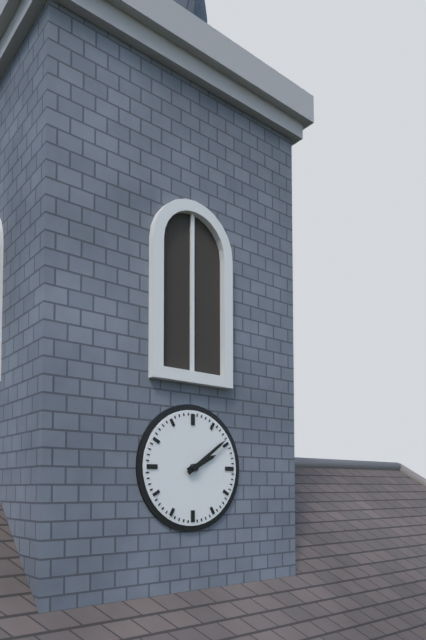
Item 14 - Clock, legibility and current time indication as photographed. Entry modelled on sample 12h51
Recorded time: 2h09
